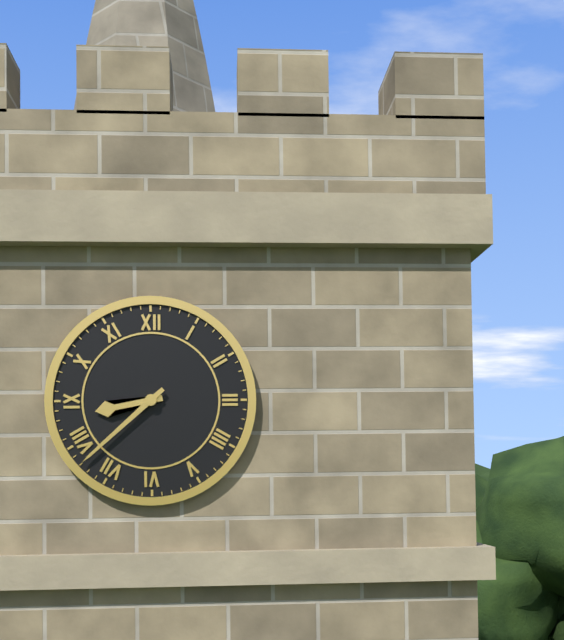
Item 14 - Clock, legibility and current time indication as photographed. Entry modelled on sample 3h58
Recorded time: 8h38
